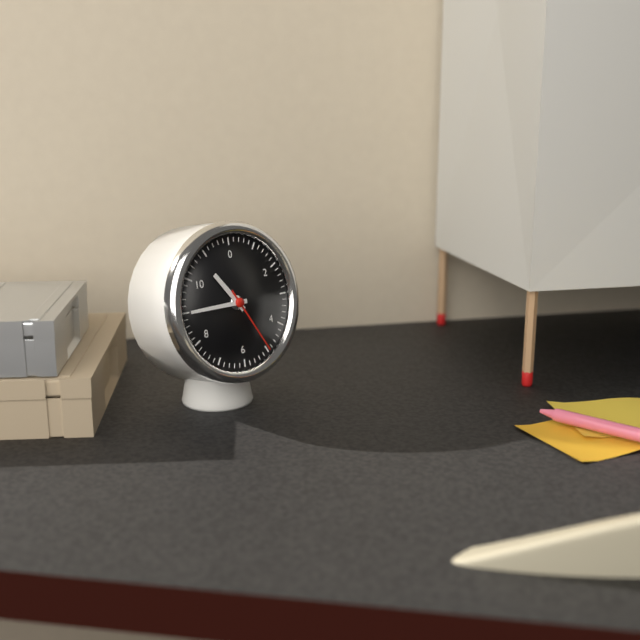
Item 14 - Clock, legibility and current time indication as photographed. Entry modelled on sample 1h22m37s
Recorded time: 10h45m25s
